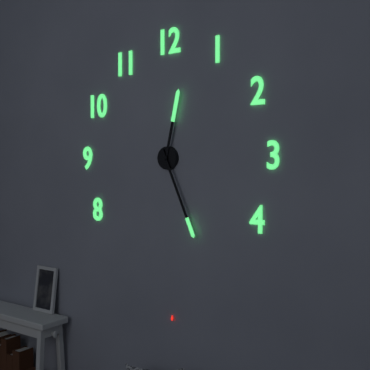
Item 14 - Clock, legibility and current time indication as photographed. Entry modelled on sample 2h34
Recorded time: 12h26
